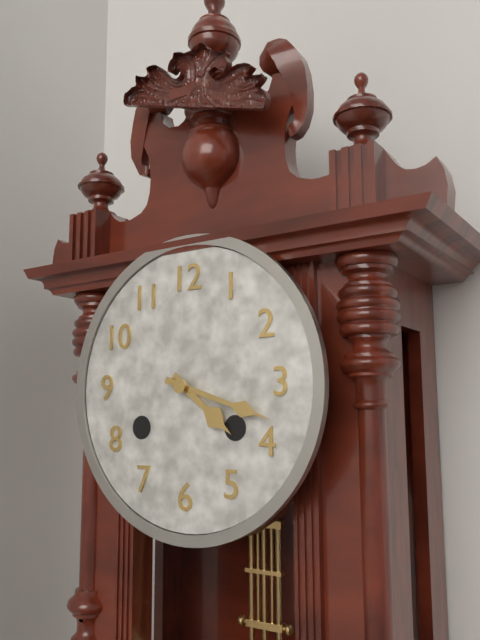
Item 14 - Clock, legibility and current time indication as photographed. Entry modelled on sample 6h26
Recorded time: 4h18
